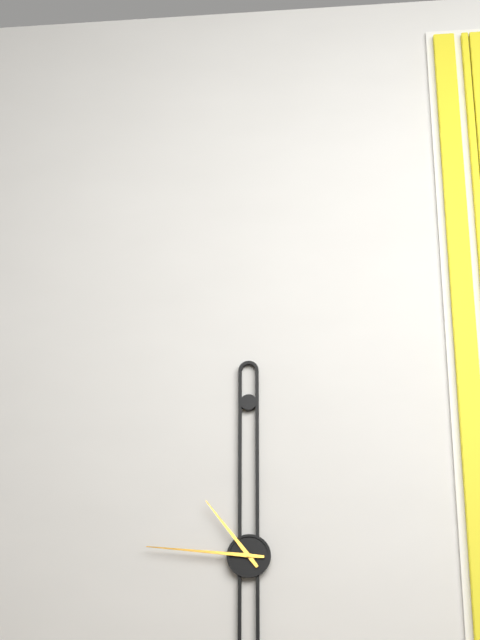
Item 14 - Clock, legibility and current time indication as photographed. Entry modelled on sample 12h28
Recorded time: 10h46
